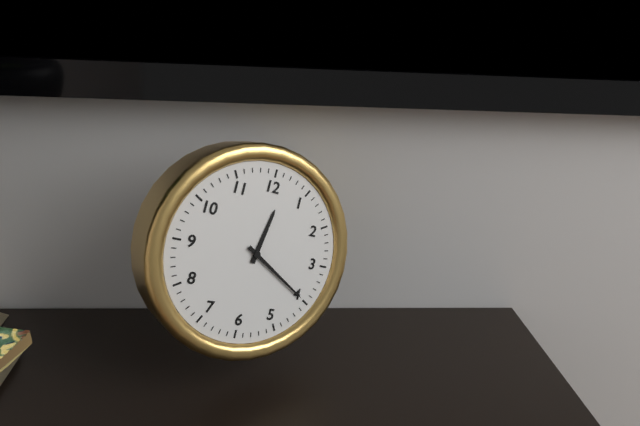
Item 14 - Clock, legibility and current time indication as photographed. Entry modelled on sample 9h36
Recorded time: 12h20
